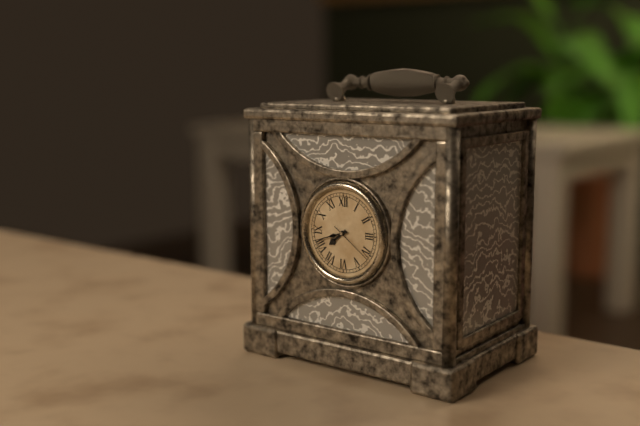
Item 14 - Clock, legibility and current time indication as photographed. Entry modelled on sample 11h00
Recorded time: 7h42
